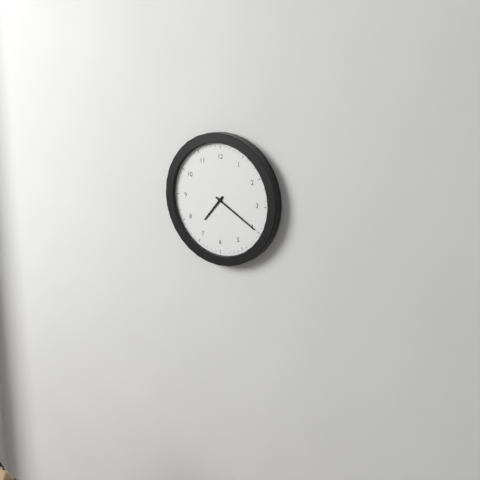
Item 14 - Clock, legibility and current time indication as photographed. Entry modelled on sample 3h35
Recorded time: 7h20
